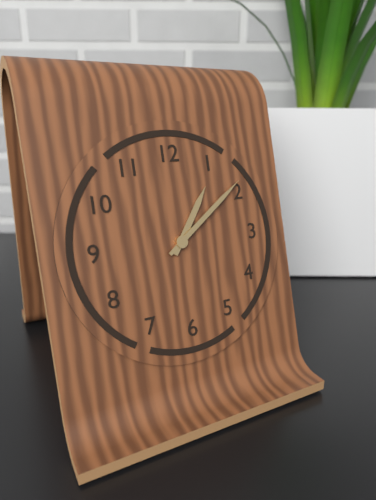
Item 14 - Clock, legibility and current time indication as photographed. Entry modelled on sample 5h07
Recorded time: 1h09
